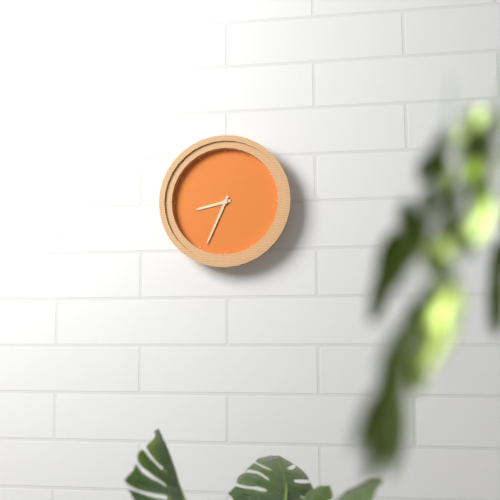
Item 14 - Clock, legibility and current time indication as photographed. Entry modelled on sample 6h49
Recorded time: 8h34
